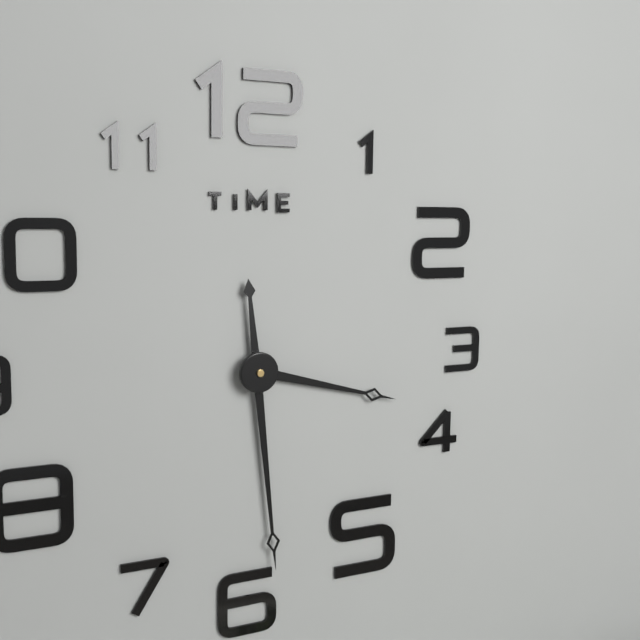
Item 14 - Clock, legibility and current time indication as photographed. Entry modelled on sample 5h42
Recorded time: 3h29
